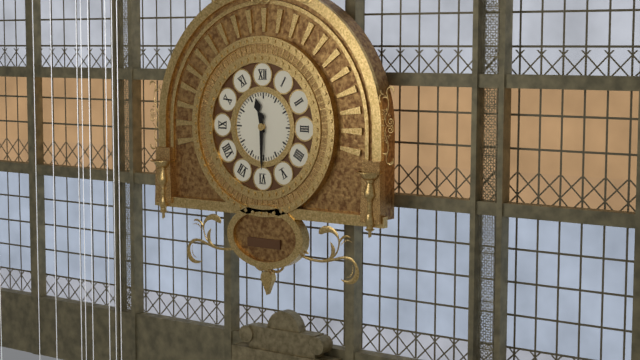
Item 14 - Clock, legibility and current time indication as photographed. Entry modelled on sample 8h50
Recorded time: 11h30
